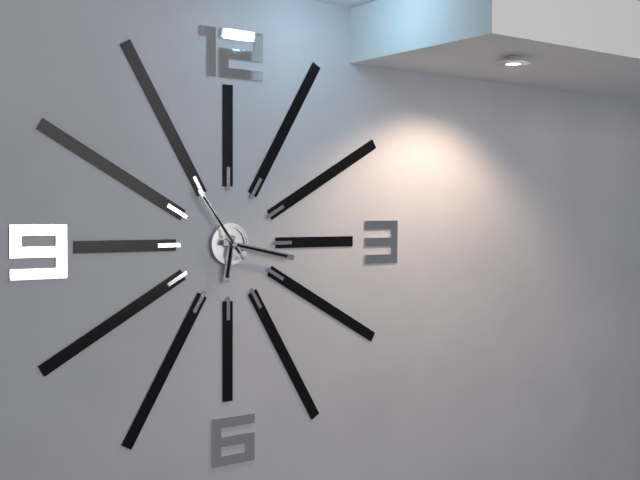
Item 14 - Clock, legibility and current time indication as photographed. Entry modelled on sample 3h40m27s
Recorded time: 6h17m54s
